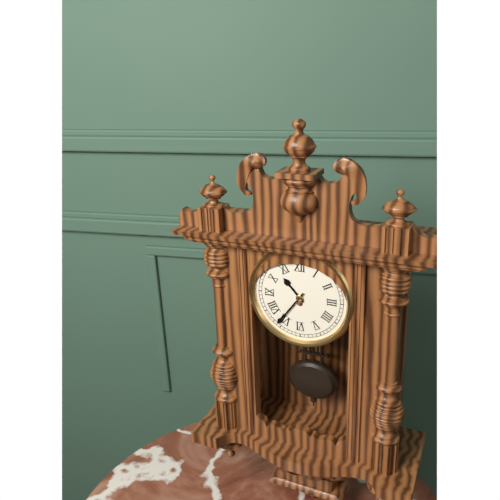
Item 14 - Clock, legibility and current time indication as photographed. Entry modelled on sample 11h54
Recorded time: 10h36
